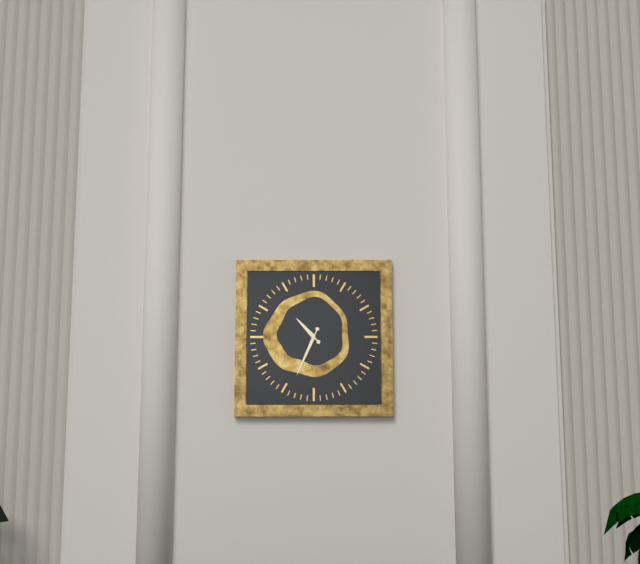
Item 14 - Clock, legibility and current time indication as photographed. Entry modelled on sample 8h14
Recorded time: 10h34
